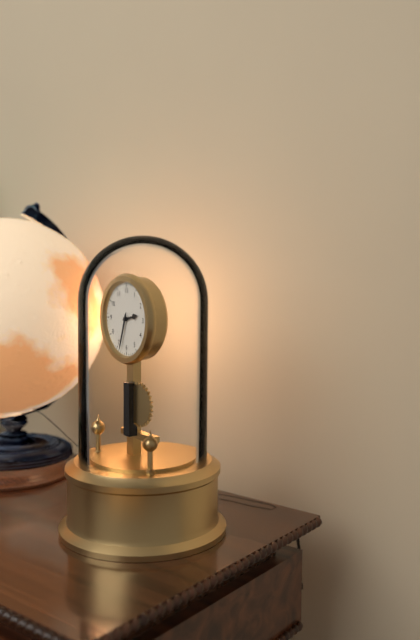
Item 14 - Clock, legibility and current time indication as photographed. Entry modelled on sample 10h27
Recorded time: 2h33
